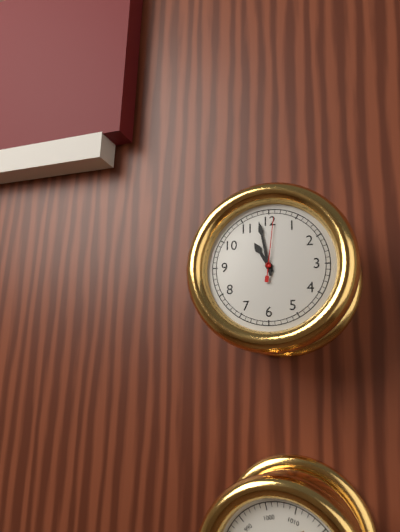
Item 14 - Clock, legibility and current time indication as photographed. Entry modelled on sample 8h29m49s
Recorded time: 10h58m01s
